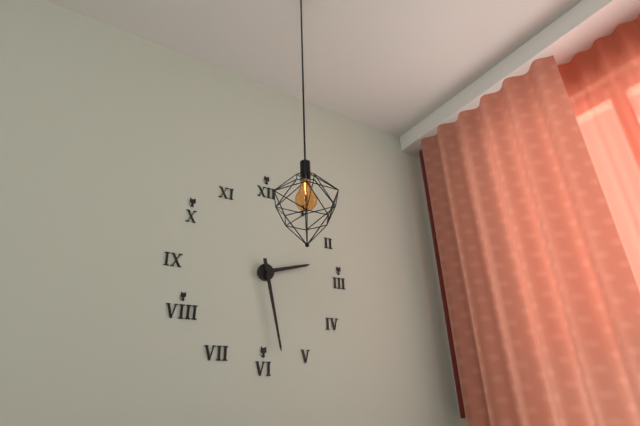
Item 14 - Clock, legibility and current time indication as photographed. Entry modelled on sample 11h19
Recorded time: 2h28
